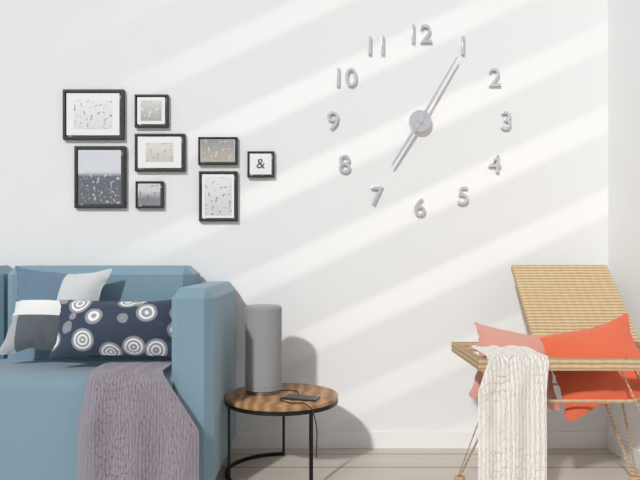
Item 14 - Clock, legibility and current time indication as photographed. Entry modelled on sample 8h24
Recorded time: 7h05
